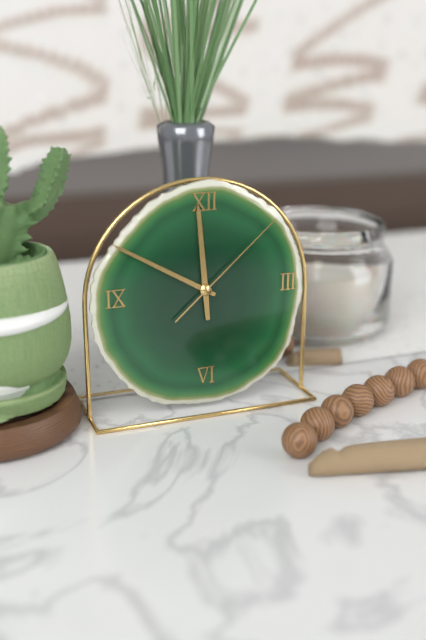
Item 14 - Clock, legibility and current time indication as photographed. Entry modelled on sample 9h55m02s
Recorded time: 11h50m08s
